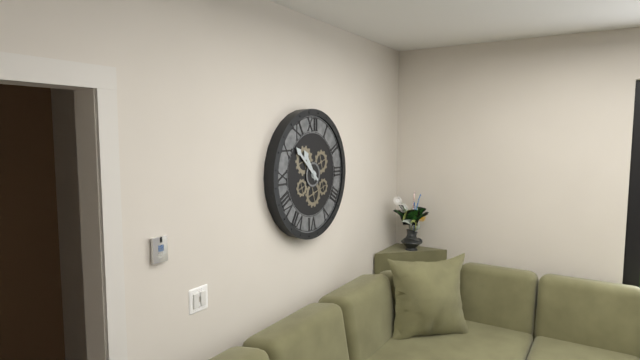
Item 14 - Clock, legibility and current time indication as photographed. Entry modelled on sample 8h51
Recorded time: 10h52
